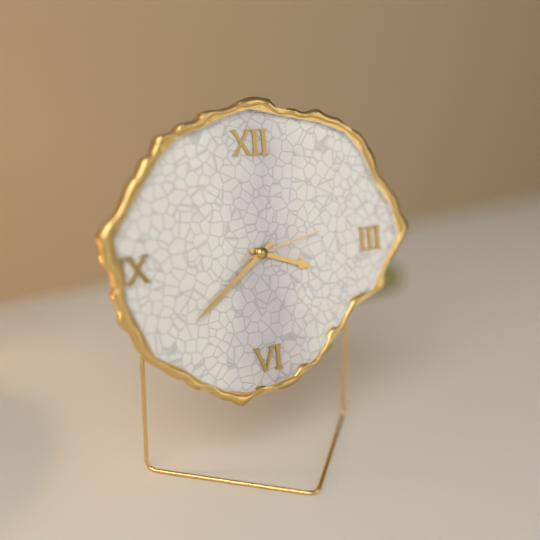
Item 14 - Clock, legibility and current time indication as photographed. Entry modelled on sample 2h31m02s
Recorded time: 3h39m13s
